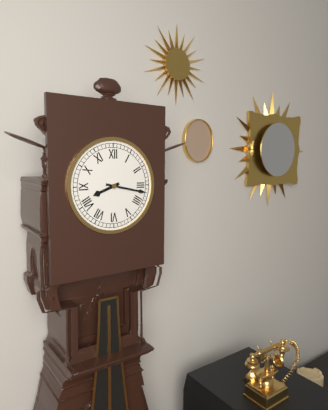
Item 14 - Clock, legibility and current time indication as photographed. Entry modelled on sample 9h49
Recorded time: 8h17
